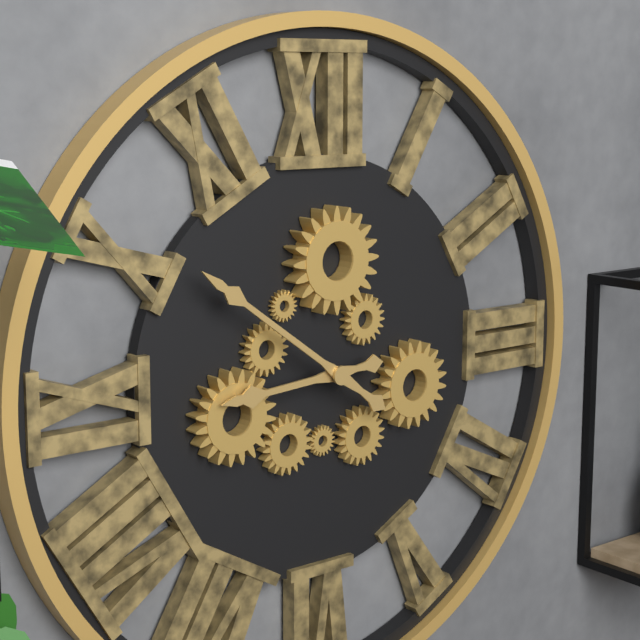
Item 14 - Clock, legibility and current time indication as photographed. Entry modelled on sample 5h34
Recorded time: 8h51
